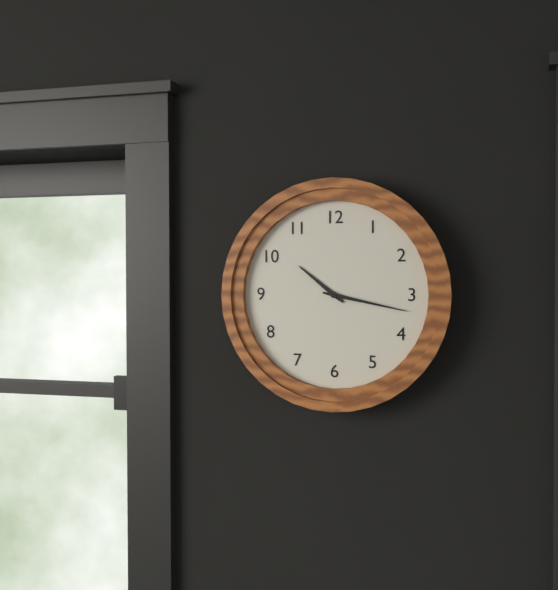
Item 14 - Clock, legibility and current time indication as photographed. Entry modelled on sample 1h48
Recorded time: 10h17
